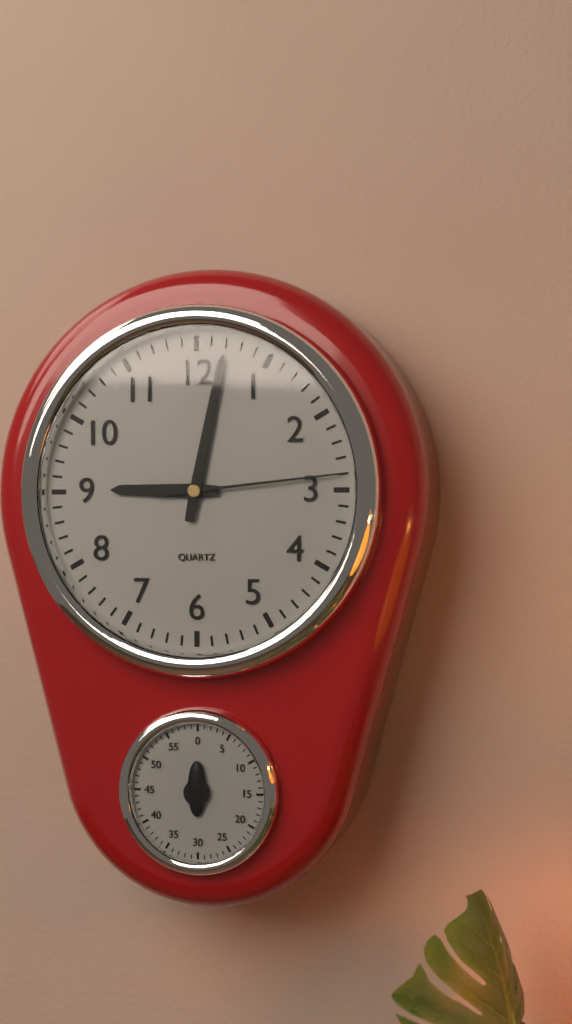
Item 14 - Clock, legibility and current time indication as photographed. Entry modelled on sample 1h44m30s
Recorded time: 9h02m14s
